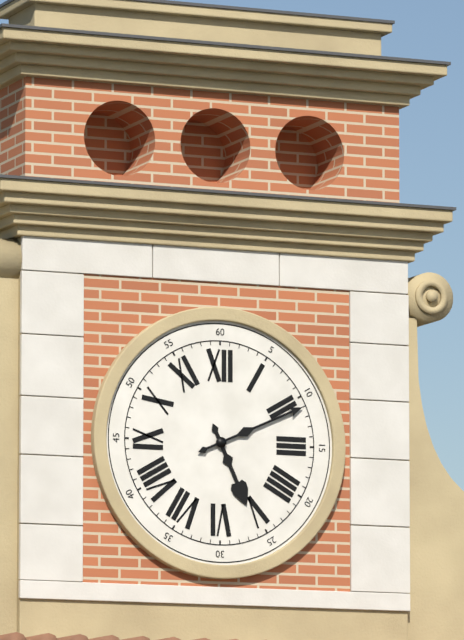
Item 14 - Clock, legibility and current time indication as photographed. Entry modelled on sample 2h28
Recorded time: 5h11
